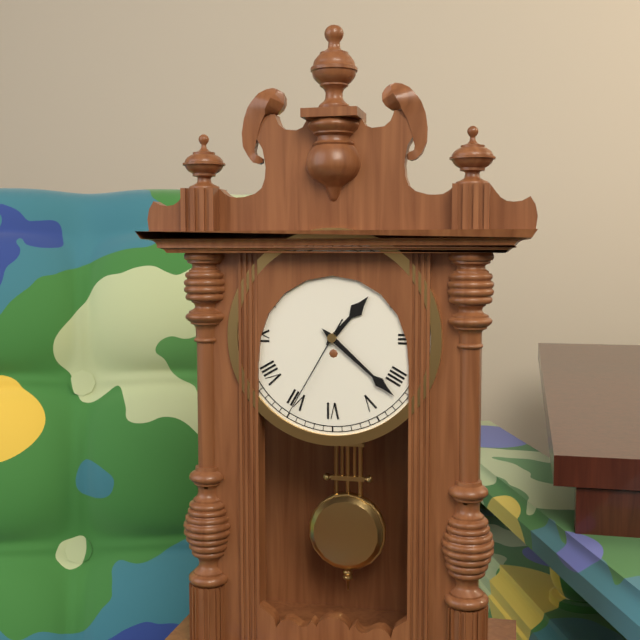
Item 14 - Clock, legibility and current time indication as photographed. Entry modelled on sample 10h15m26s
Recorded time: 1h22m35s
